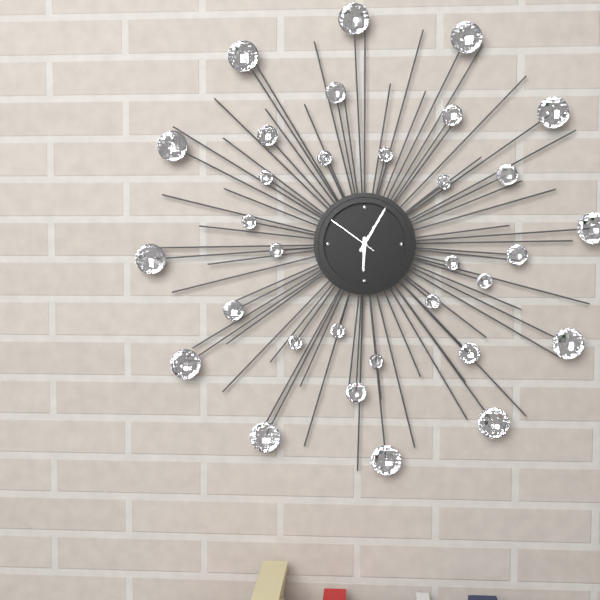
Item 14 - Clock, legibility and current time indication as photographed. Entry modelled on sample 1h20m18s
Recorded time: 6h05m51s
